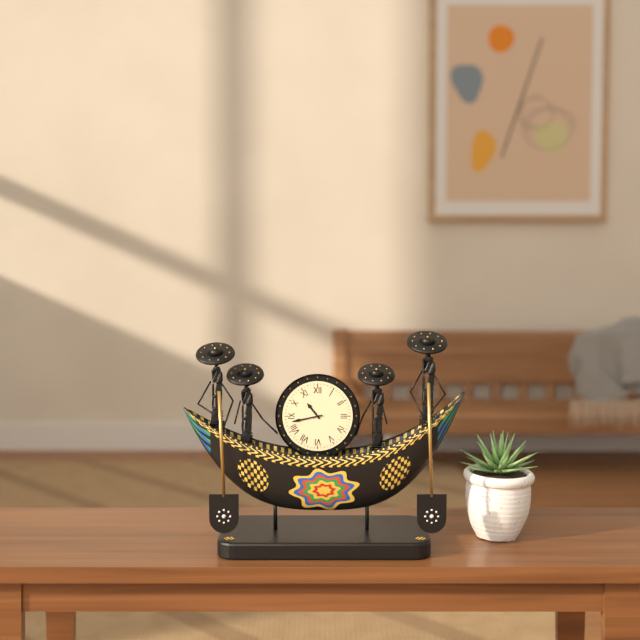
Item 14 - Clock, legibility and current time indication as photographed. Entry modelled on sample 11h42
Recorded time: 10h43
